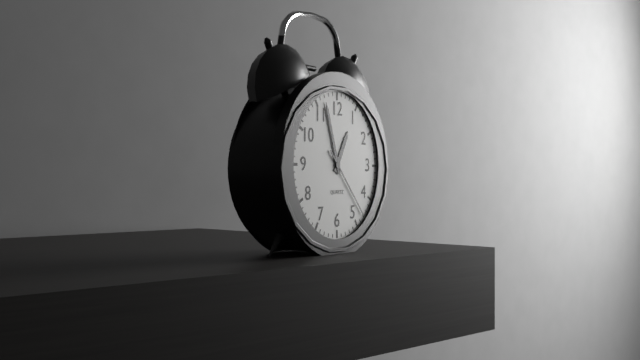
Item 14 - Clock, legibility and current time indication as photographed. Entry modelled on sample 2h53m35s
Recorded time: 12h57m23s
